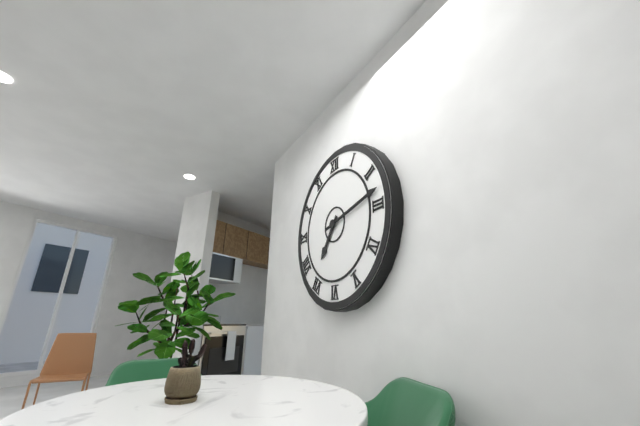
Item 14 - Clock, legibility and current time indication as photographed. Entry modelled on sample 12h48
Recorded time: 7h13
